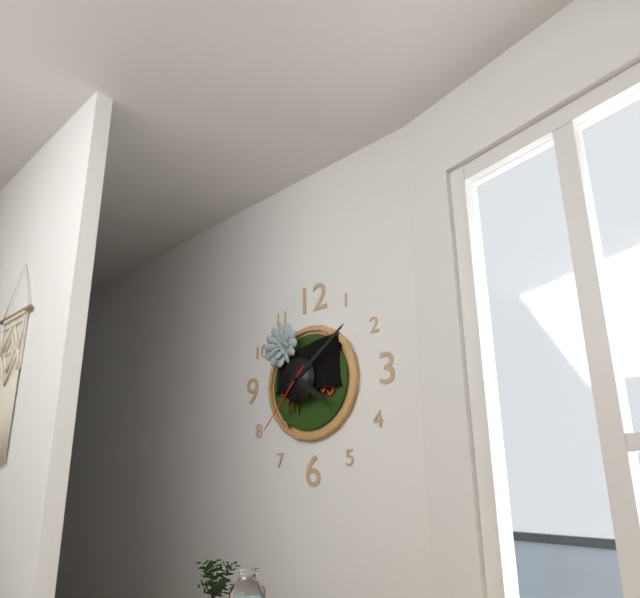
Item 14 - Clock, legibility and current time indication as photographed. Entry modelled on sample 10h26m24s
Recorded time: 4h09m37s
